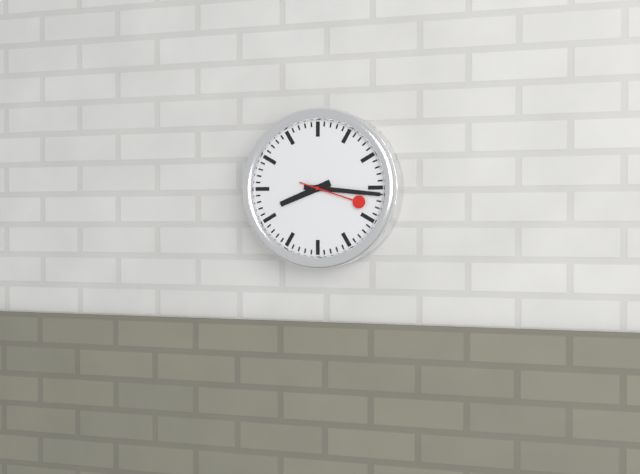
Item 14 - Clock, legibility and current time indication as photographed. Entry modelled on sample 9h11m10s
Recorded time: 8h16m18s
